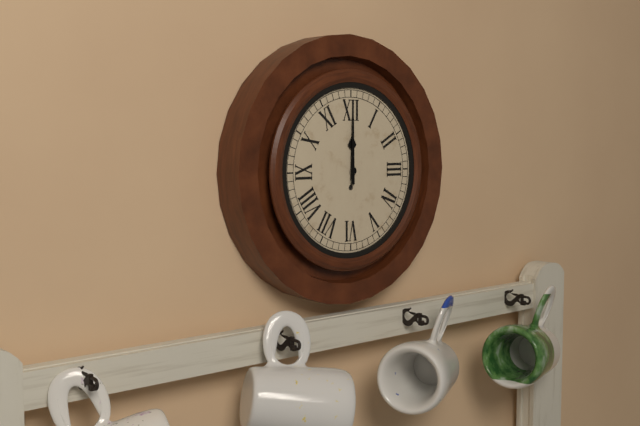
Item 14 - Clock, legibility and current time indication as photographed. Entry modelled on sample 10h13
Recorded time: 12h00
